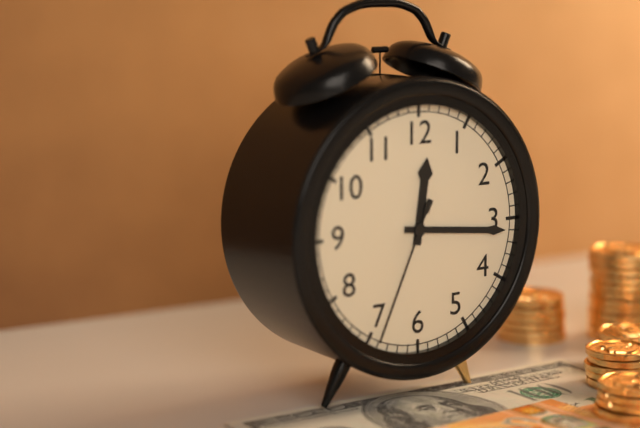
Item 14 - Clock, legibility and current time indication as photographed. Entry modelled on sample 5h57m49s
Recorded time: 12h16m34s
